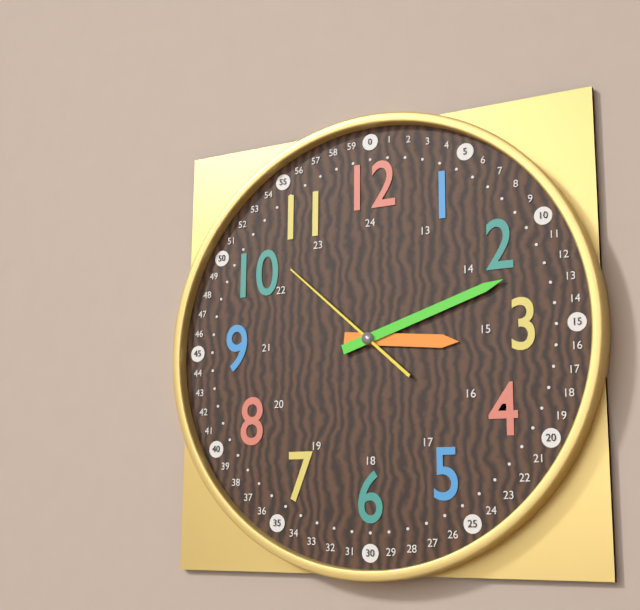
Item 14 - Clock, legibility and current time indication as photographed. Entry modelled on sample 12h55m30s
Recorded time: 3h12m52s
